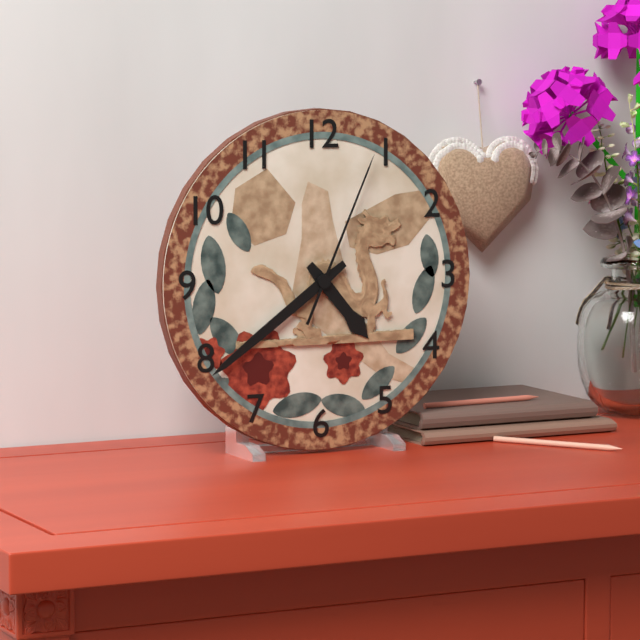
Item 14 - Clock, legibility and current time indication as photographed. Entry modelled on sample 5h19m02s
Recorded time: 4h39m04s
